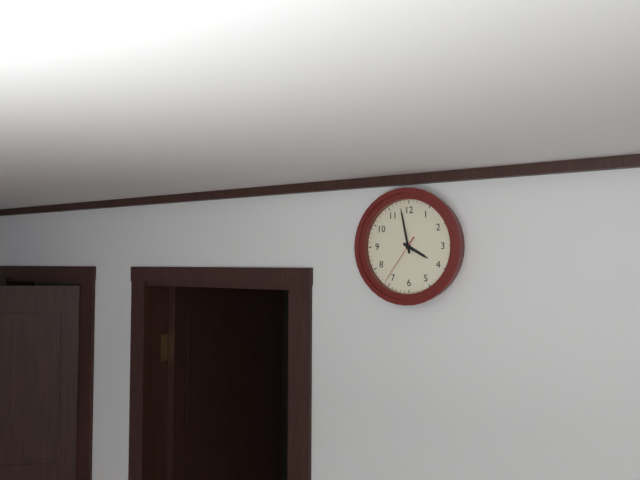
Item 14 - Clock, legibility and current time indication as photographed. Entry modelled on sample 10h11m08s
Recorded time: 3h58m36s
